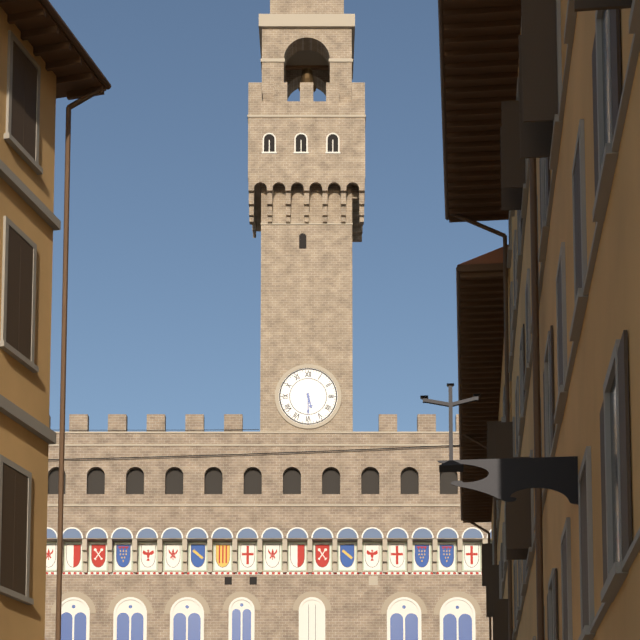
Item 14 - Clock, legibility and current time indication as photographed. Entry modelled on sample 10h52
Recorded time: 5h30
